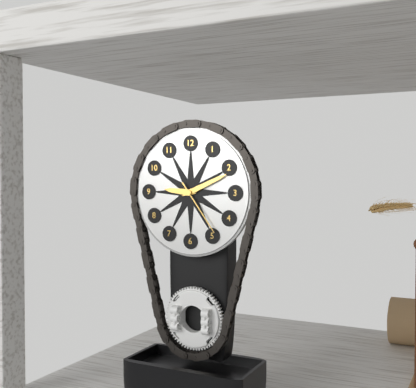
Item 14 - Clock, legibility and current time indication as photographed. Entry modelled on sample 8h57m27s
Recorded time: 9h11m24s
